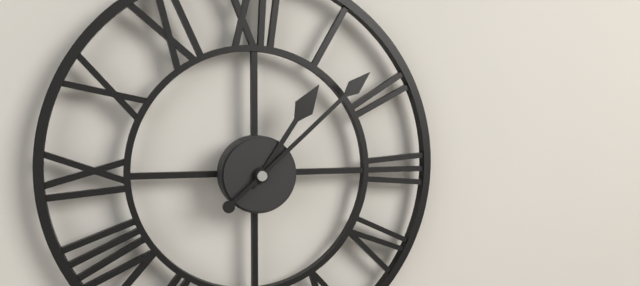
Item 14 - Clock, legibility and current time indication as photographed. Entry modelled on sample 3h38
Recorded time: 1h08
